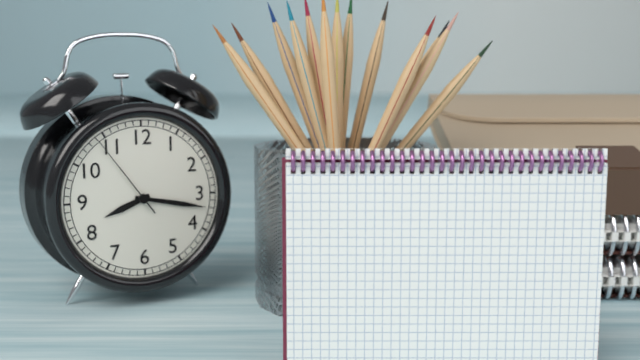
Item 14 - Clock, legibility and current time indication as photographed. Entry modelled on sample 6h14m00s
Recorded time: 8h17m54s
